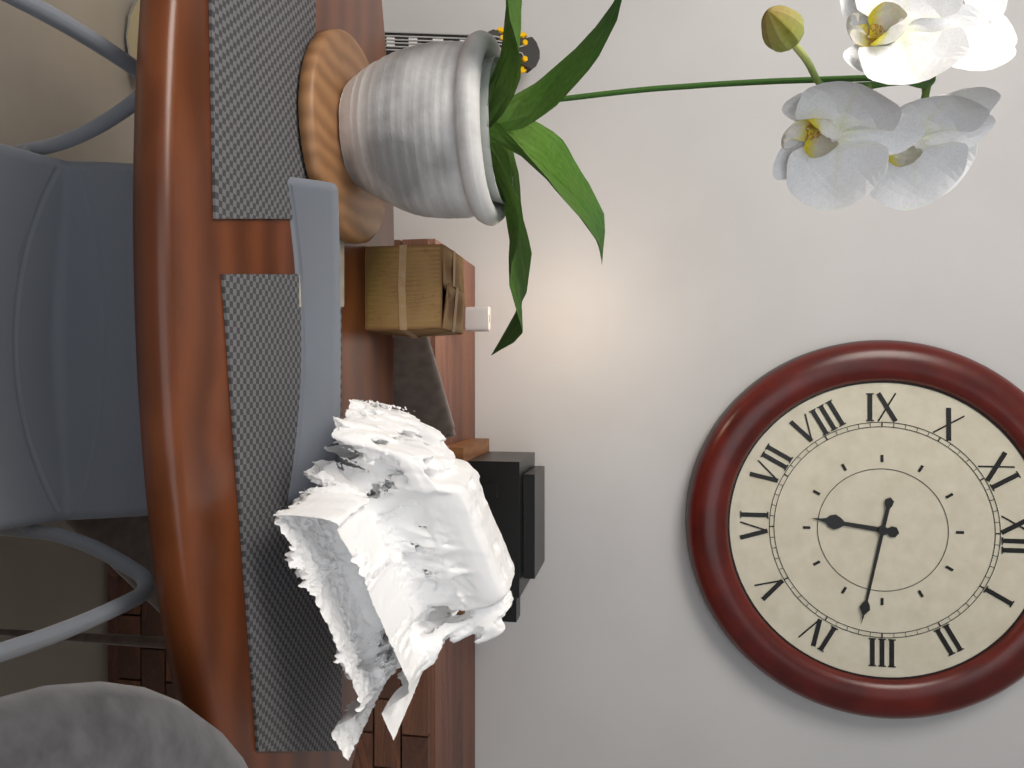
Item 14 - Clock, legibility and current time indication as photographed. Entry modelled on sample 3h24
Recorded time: 6h17
